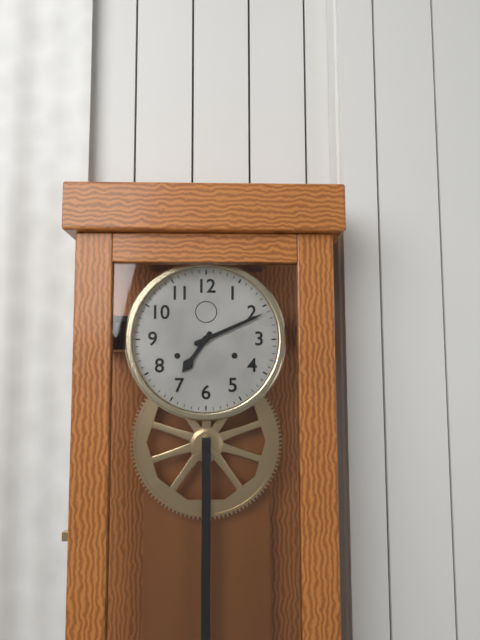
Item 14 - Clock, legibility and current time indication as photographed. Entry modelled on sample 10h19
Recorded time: 7h11
